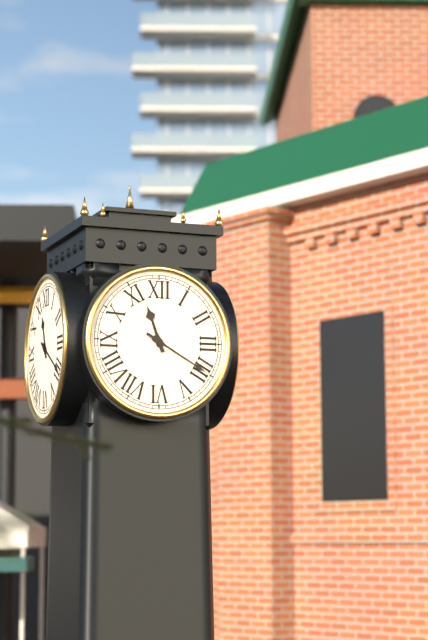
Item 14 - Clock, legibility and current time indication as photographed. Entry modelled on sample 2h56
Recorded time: 11h20
